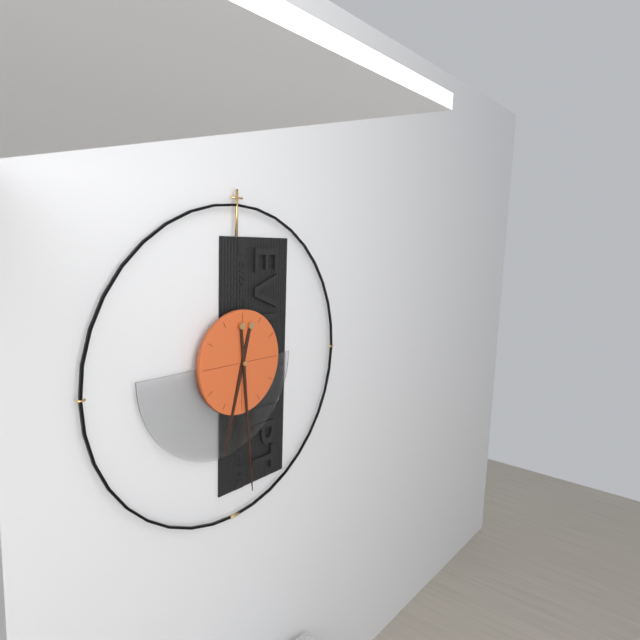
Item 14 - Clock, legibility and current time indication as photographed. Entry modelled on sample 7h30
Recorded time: 6h29
